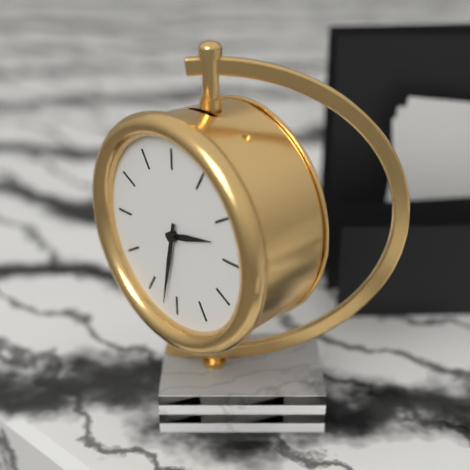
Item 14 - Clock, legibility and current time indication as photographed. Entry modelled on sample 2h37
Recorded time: 2h32
